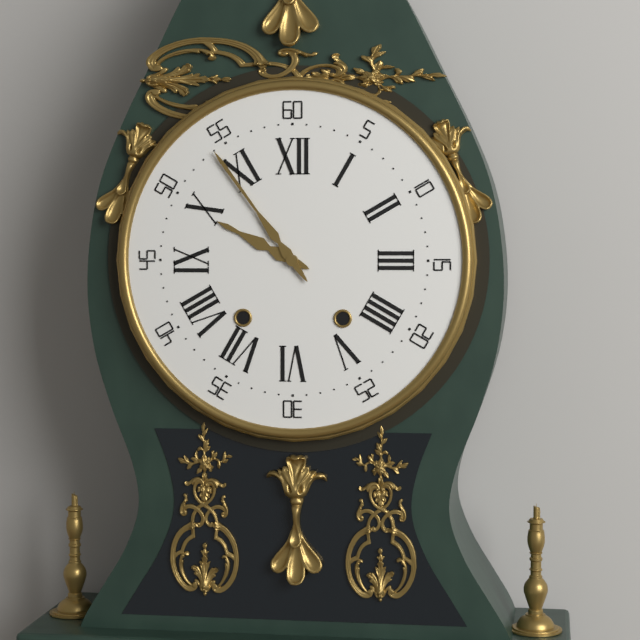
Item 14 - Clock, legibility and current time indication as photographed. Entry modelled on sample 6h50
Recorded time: 9h54
